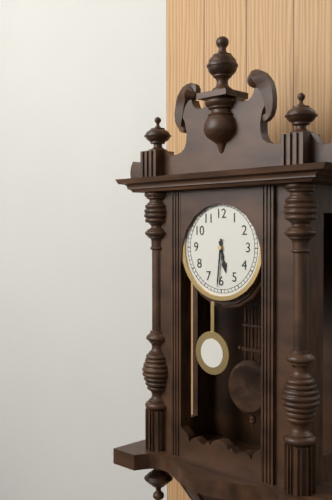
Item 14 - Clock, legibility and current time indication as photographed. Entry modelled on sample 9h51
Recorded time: 5h31
